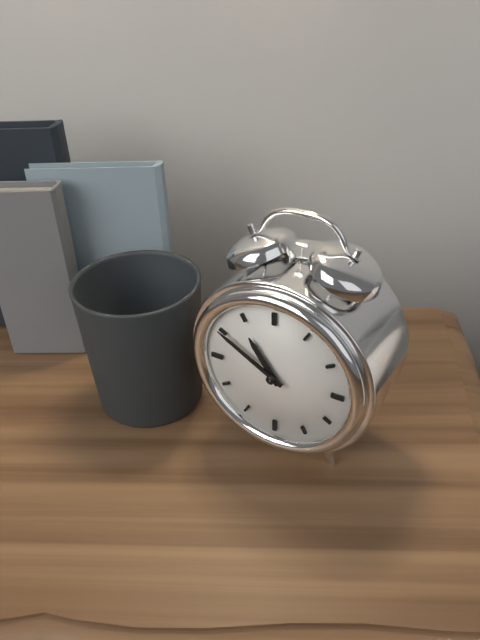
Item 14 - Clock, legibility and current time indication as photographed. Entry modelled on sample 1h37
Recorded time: 10h50
